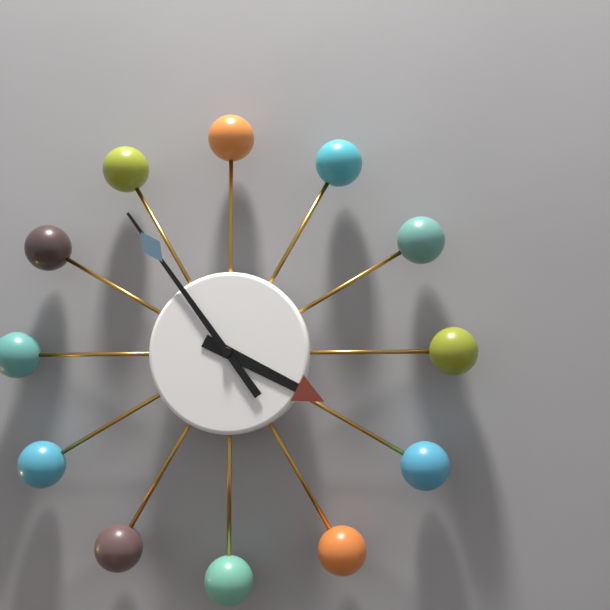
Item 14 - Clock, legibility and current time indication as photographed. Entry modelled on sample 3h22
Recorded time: 3h54
